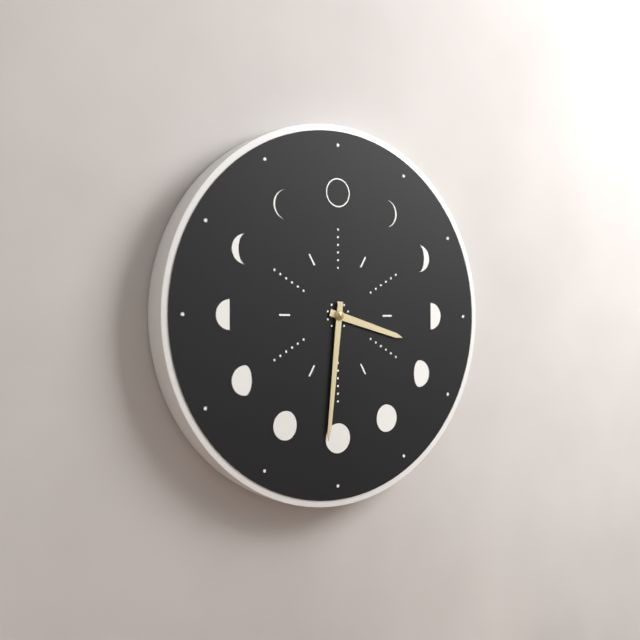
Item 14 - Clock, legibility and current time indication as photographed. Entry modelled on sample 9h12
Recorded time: 3h31
